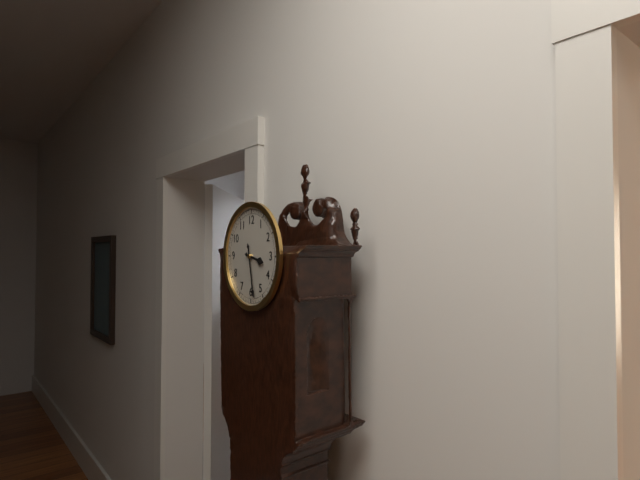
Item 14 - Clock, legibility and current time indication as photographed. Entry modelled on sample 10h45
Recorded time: 3h28
